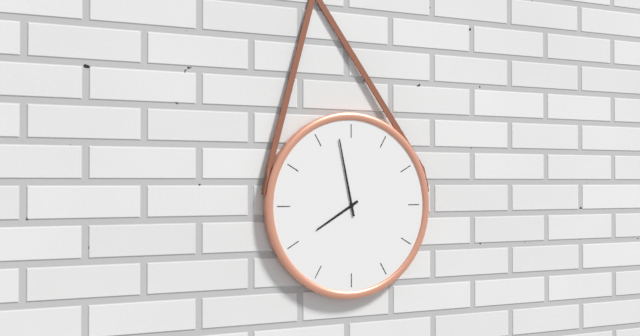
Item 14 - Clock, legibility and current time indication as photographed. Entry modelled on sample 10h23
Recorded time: 7h58
